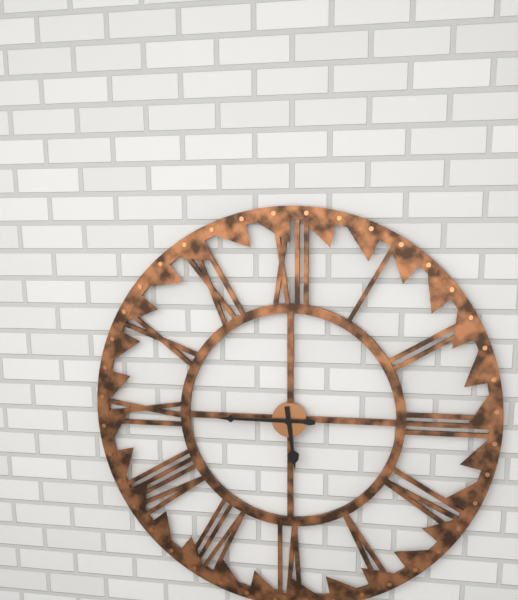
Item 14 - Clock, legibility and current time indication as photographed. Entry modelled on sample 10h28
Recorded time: 5h45
